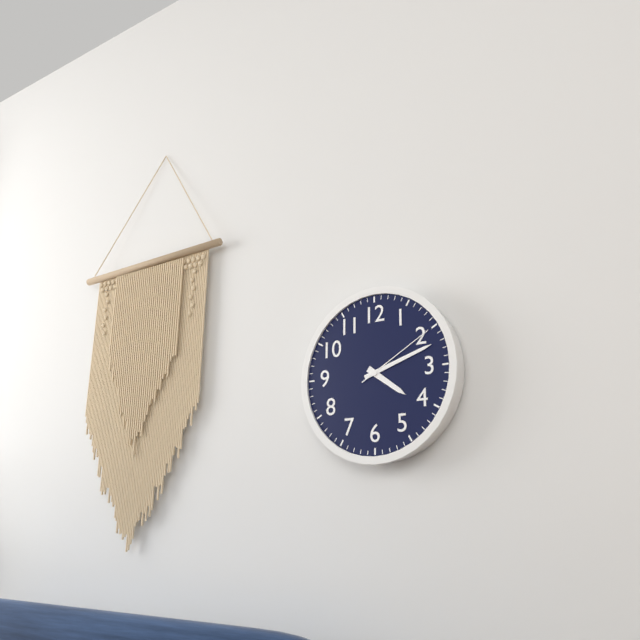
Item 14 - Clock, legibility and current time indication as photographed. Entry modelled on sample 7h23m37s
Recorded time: 4h12m10s
